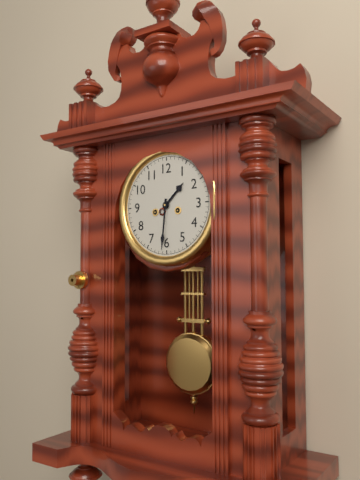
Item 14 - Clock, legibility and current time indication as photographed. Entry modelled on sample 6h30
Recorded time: 1h31
